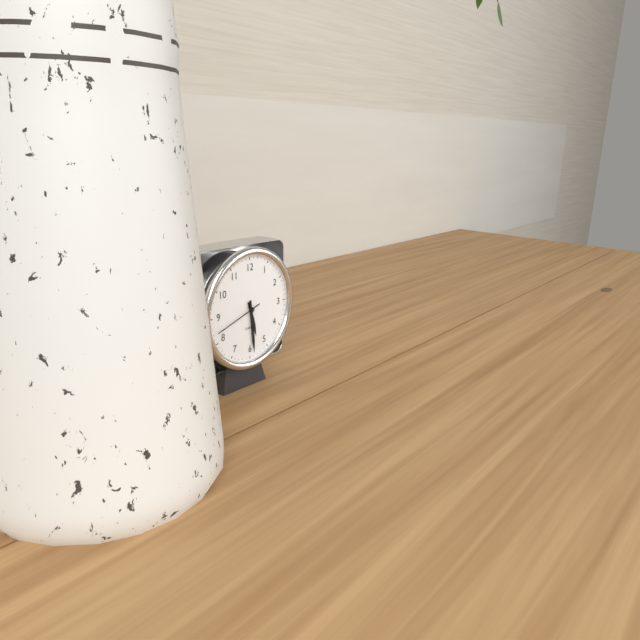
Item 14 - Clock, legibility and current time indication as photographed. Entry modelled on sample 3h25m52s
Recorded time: 5h29m42s
